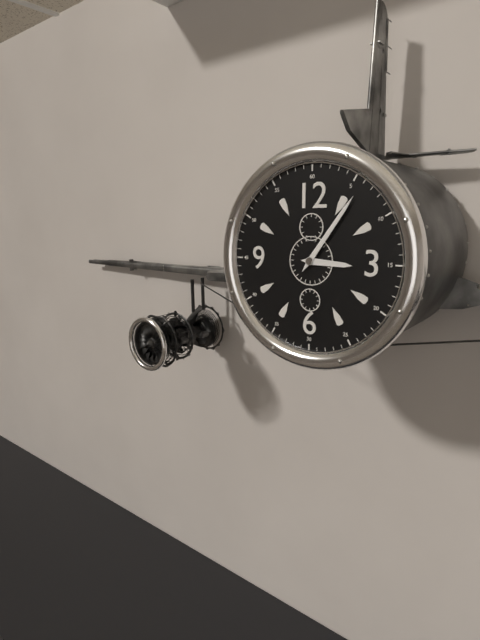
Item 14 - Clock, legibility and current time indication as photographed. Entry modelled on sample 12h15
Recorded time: 3h06
